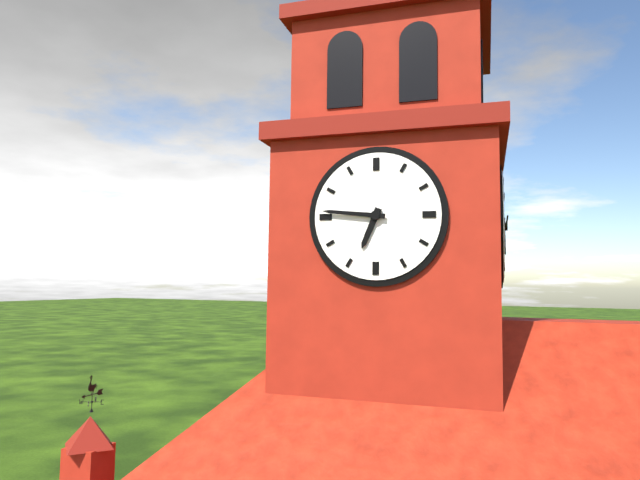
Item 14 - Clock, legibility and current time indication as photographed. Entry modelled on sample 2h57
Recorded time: 6h46
